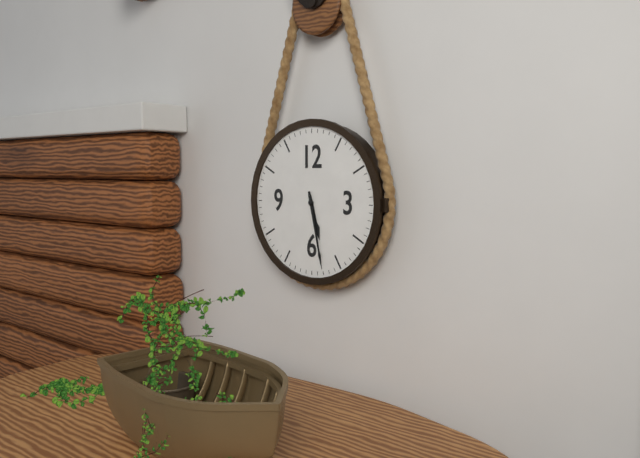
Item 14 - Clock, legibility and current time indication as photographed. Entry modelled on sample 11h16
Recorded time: 5h28
